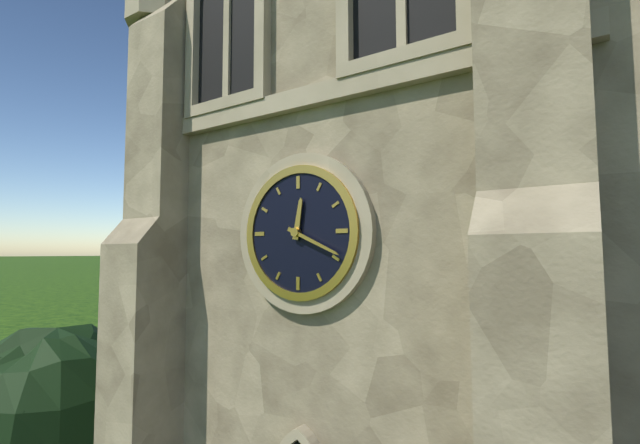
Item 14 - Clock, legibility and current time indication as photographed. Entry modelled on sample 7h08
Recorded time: 12h19
